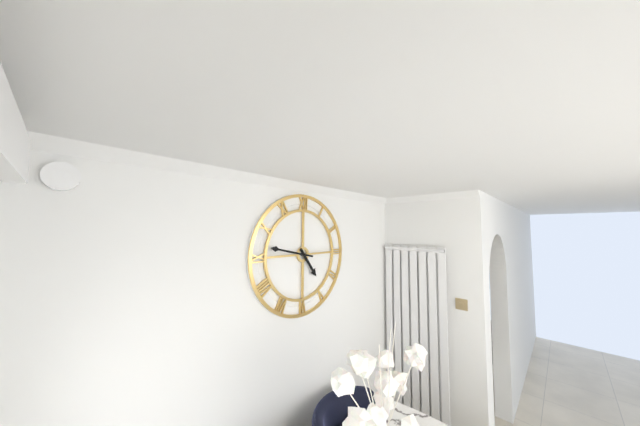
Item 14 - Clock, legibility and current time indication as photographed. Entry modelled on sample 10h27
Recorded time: 4h47
